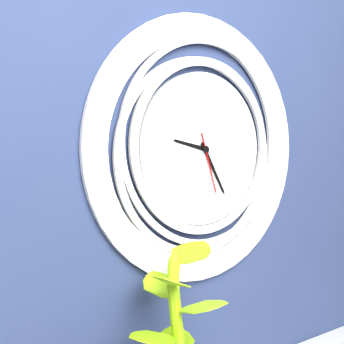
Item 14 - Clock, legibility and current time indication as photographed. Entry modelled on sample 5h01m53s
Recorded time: 9h25m27s
